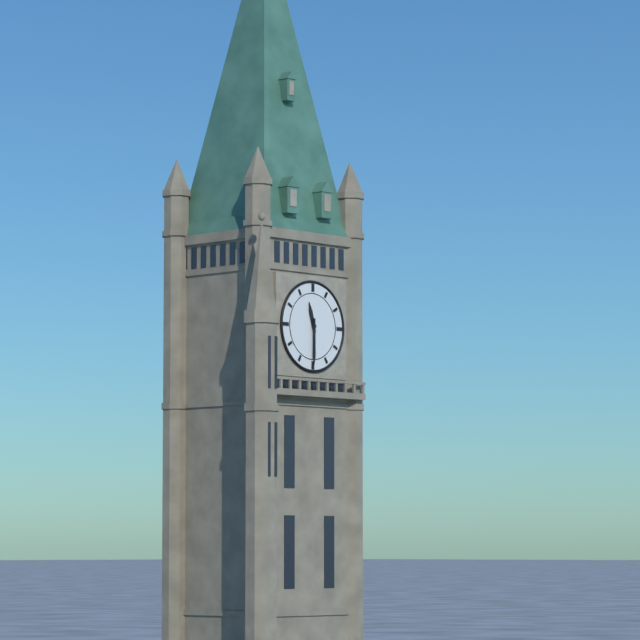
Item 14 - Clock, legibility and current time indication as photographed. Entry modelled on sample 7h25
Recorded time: 11h30
